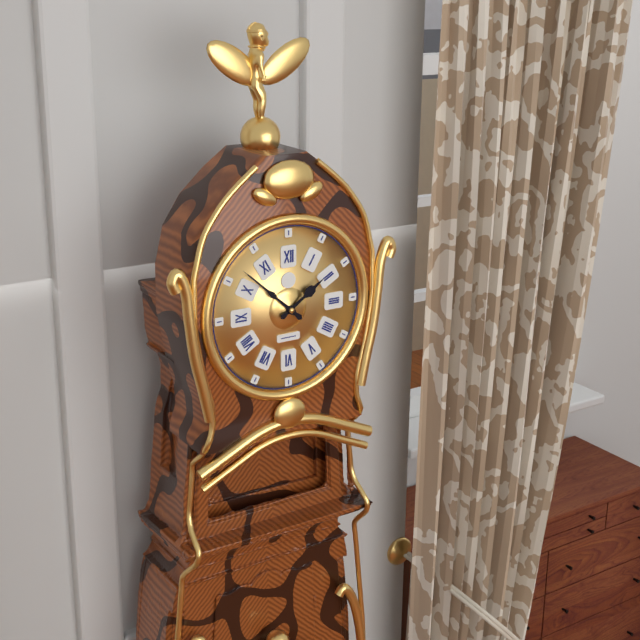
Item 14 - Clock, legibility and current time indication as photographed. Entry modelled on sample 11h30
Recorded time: 1h52
